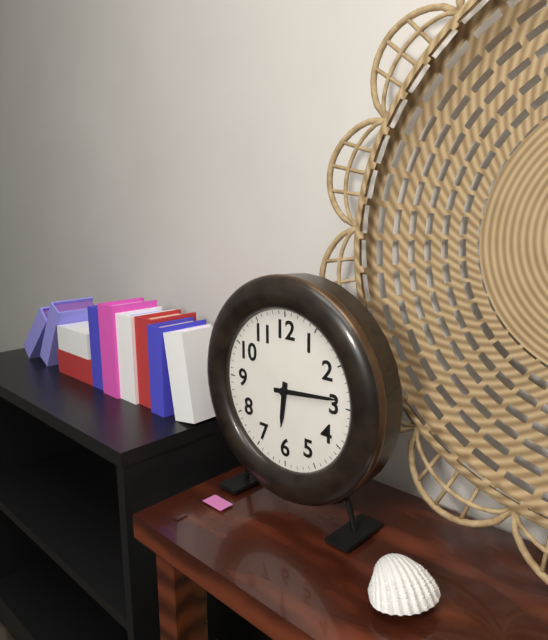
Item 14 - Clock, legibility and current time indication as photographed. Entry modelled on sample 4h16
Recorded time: 6h14
